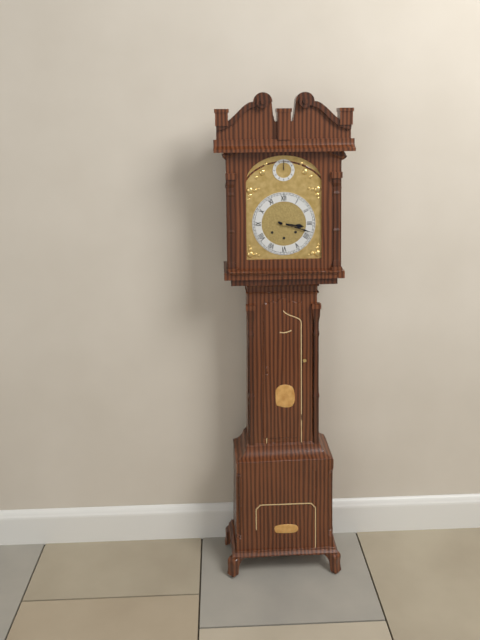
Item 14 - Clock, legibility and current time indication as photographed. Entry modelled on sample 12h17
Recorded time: 3h18
